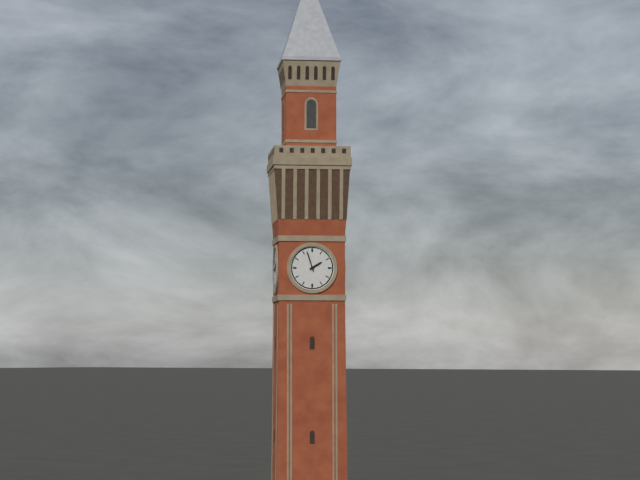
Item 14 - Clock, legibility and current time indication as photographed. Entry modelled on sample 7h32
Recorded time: 1h57
